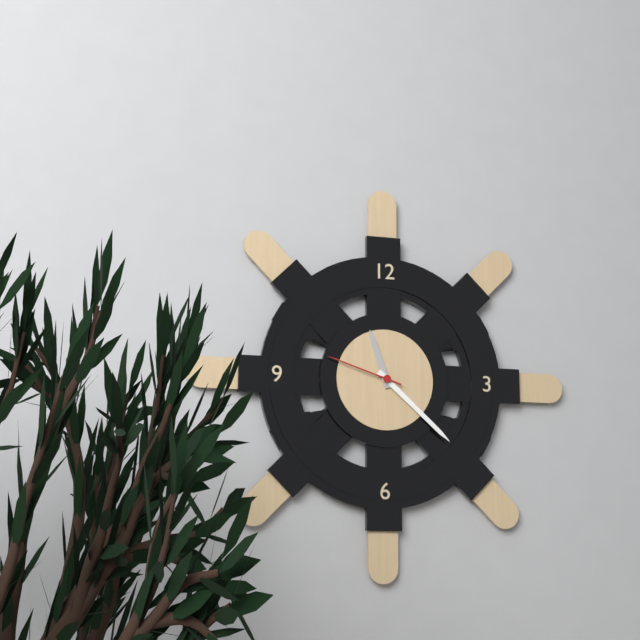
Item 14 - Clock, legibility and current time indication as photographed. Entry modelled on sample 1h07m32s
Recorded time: 11h22m48s
